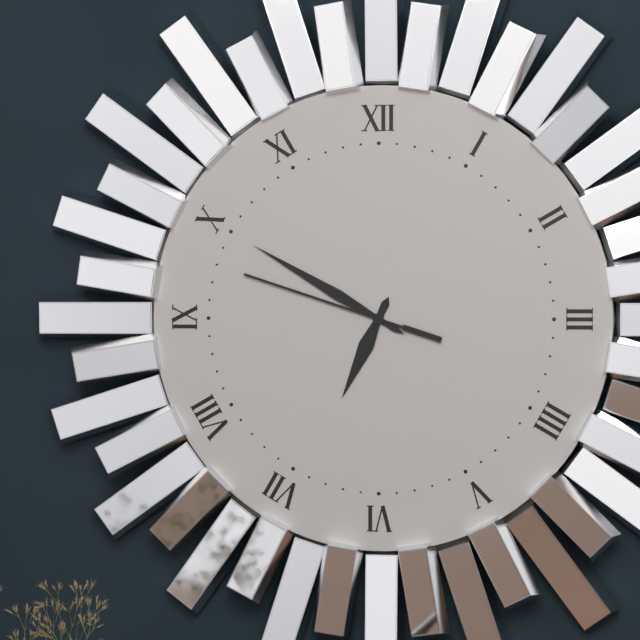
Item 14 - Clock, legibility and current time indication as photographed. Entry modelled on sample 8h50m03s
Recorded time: 6h50m48s
